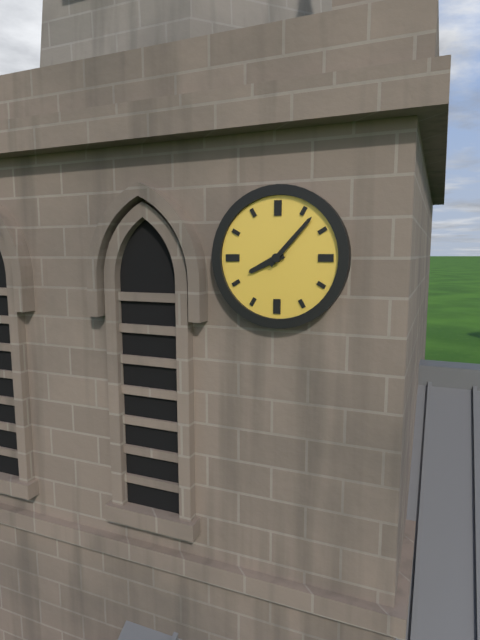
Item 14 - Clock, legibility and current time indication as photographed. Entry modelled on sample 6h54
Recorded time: 8h07
